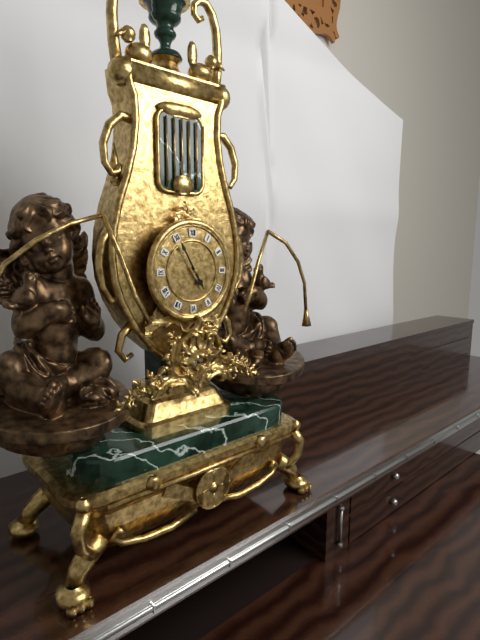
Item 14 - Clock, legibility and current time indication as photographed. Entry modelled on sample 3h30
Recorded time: 4h55
